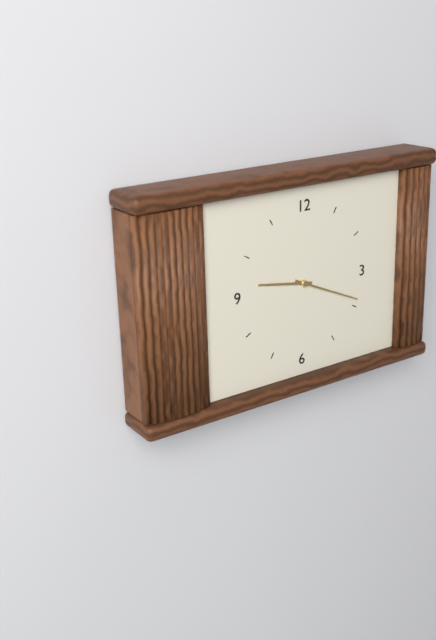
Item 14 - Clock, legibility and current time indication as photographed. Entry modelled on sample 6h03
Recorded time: 9h19
